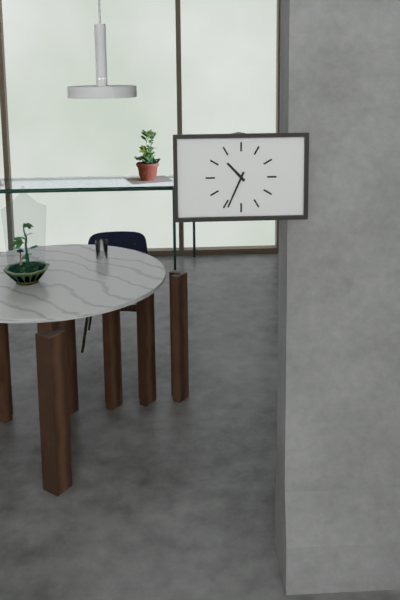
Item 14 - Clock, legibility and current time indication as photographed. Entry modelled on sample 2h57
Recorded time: 10h34
